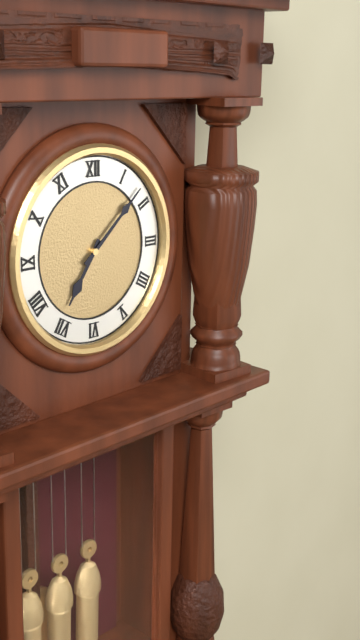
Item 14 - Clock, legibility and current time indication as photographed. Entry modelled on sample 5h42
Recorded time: 7h08
